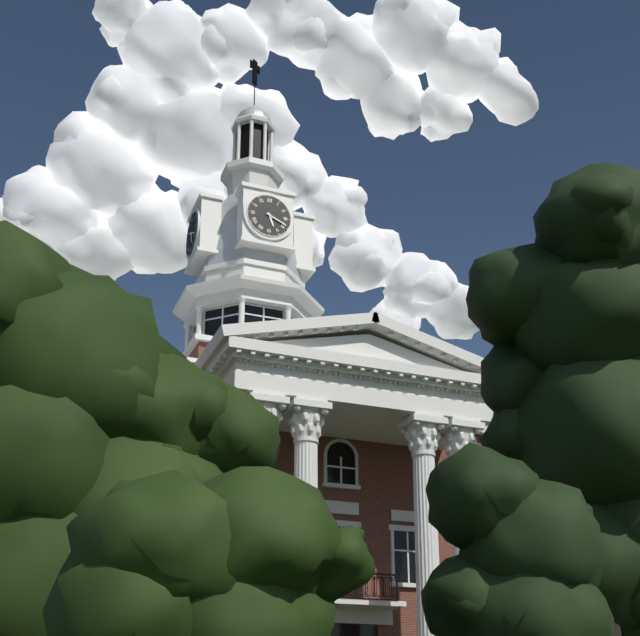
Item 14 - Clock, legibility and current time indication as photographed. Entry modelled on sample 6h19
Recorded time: 5h19
